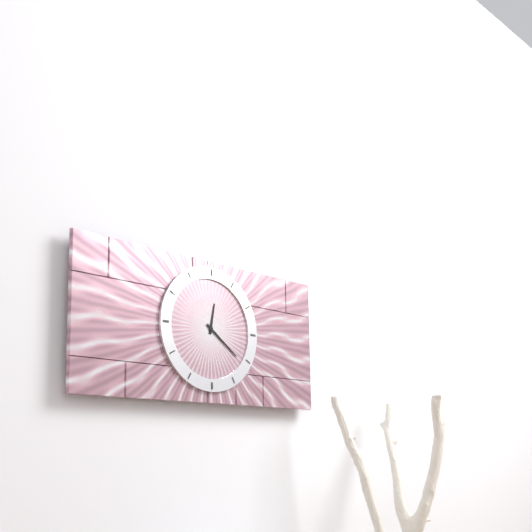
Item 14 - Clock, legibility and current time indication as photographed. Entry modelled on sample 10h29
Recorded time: 12h21
